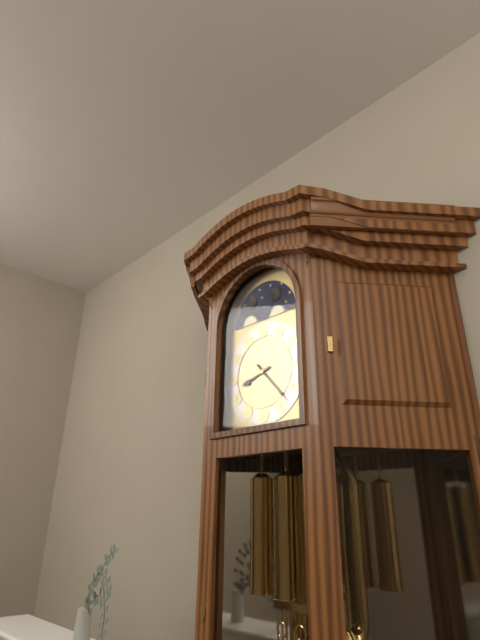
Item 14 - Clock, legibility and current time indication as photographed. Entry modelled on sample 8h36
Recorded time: 8h23
